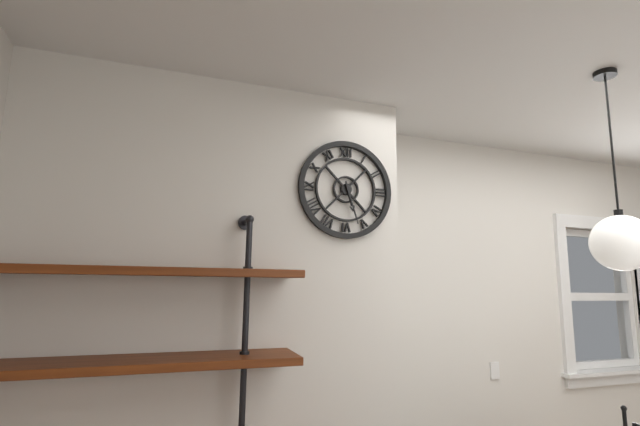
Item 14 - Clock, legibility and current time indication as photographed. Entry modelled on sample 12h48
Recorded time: 5h27
